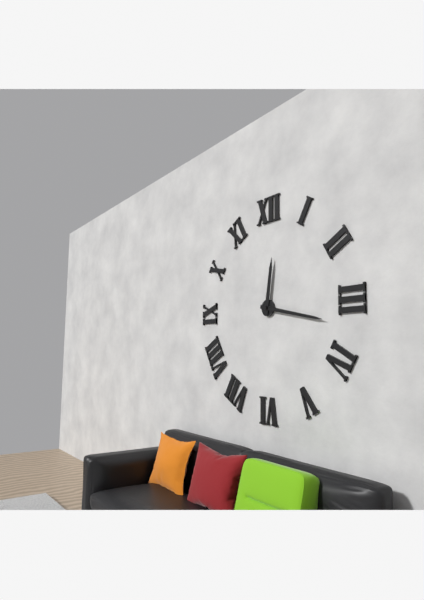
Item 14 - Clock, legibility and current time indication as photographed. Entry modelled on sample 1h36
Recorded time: 12h17
